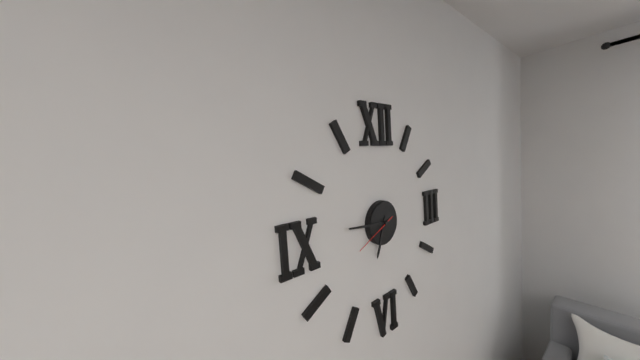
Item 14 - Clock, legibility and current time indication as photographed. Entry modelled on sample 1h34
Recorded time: 6h46
